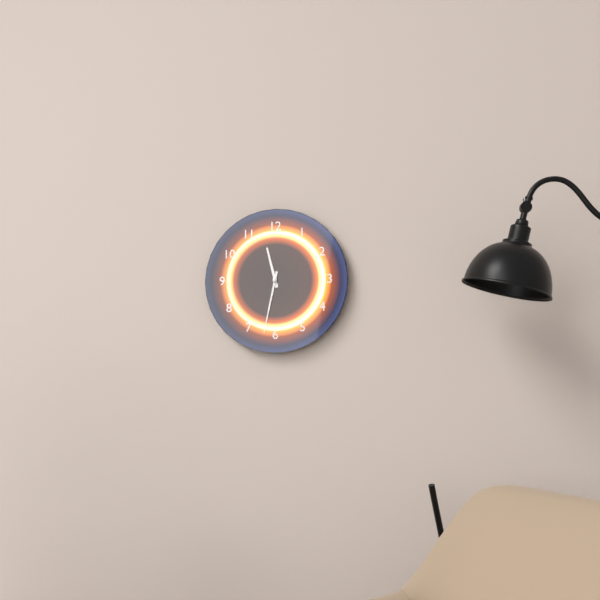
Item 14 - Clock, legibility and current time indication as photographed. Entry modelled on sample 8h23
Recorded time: 11h32
